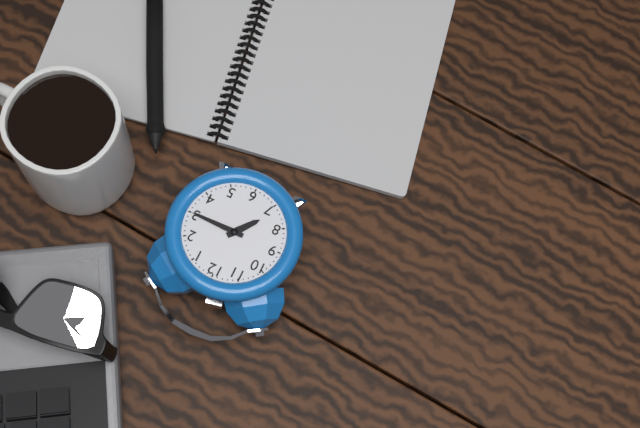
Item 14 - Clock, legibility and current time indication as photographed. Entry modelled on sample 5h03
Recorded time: 7h15
